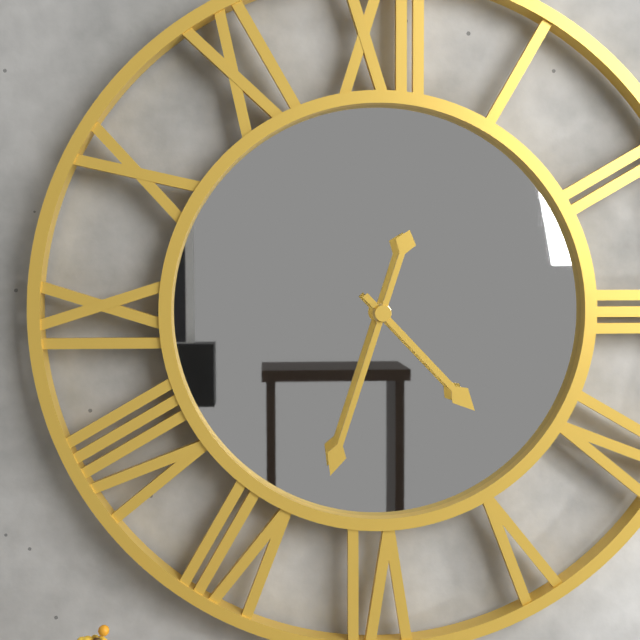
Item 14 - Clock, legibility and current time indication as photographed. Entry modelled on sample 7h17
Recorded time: 4h33
